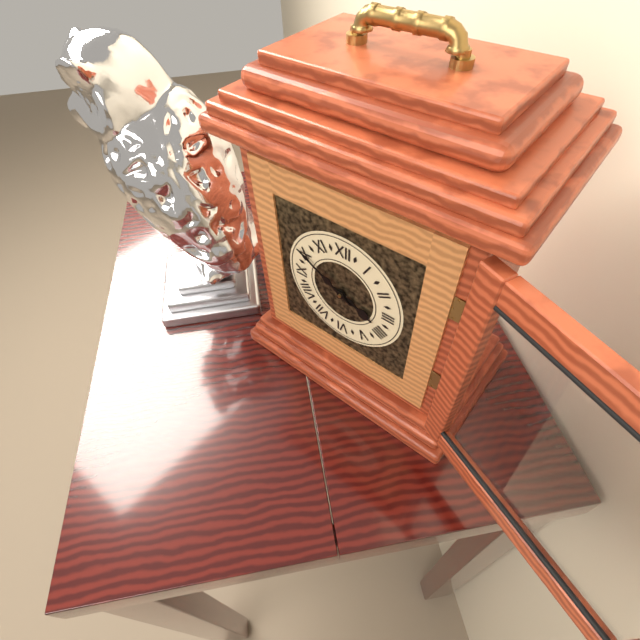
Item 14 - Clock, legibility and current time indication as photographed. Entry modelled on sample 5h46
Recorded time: 3h50
